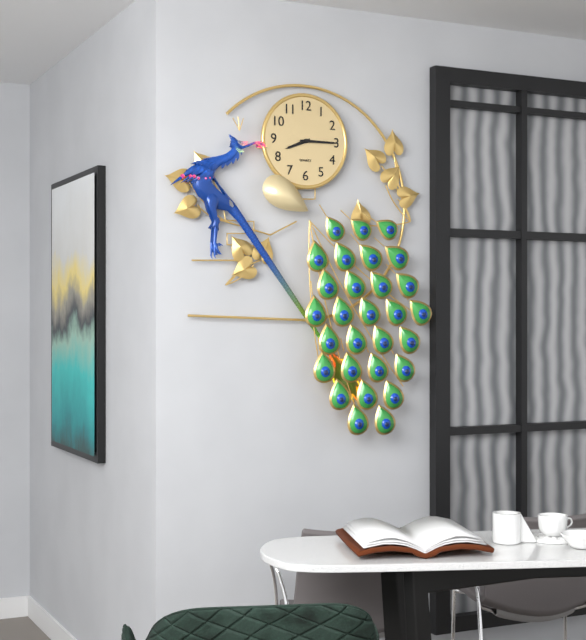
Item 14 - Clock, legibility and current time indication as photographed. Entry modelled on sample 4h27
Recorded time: 8h15
